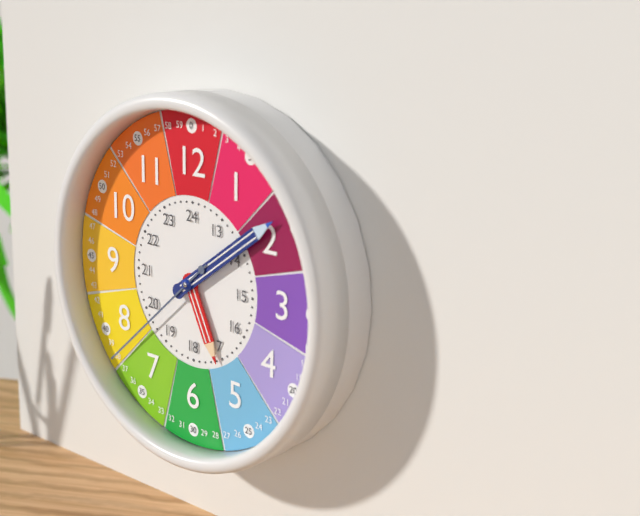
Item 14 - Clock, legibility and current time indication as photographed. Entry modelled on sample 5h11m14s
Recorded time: 5h09m38s
